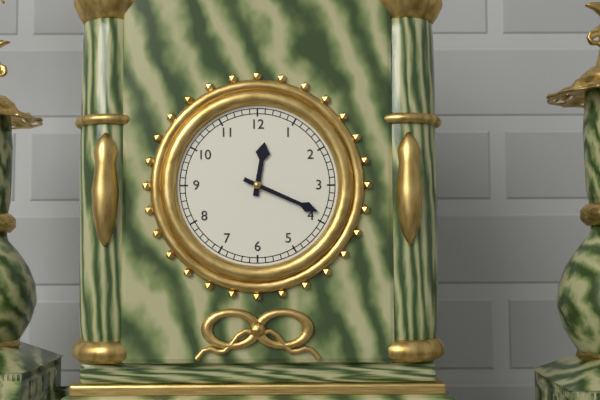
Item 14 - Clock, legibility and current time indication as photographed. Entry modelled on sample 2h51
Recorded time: 12h19
